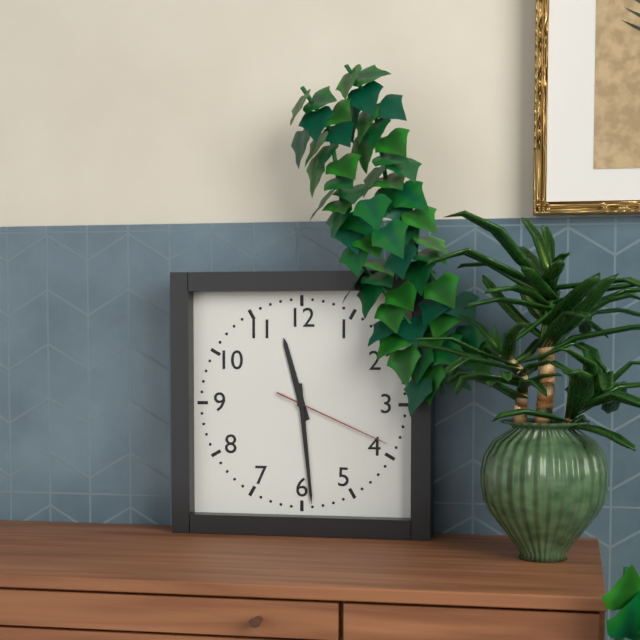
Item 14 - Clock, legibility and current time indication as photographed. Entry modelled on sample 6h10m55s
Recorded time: 11h29m19s
